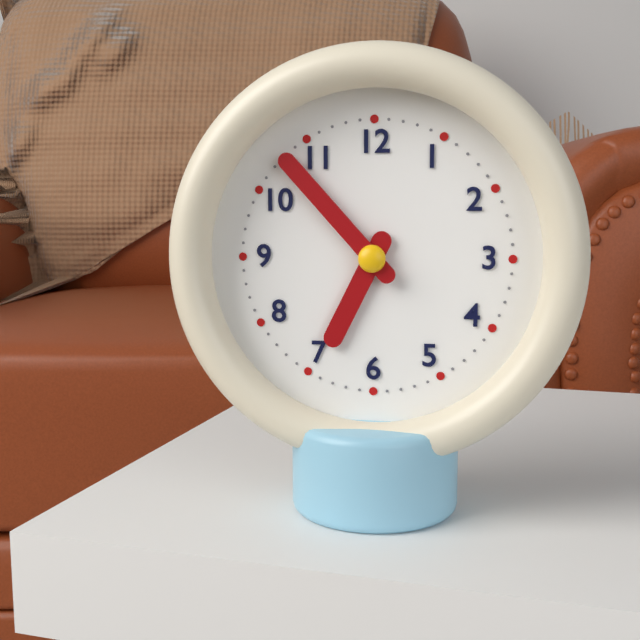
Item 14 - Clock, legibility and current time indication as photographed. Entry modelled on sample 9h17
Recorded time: 6h53
